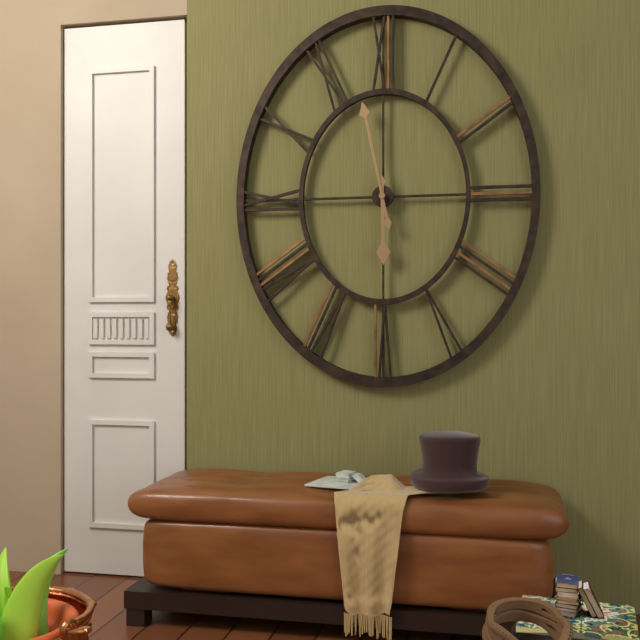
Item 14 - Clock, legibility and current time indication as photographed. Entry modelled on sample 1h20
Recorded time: 5h58
